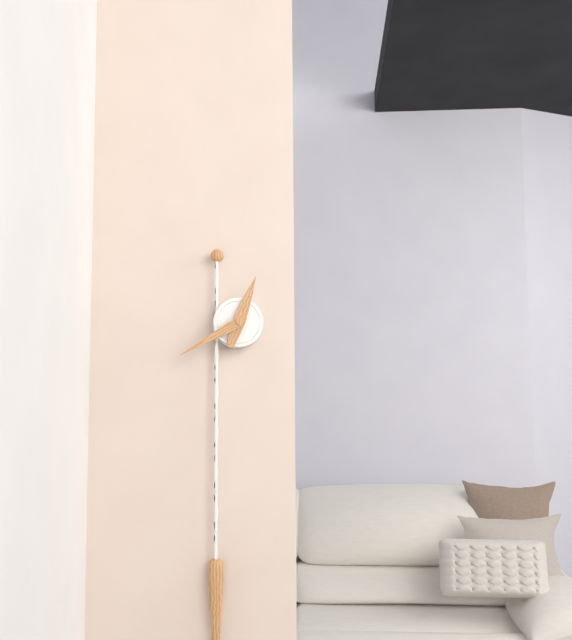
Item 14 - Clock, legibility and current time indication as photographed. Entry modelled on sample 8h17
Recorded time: 12h40
